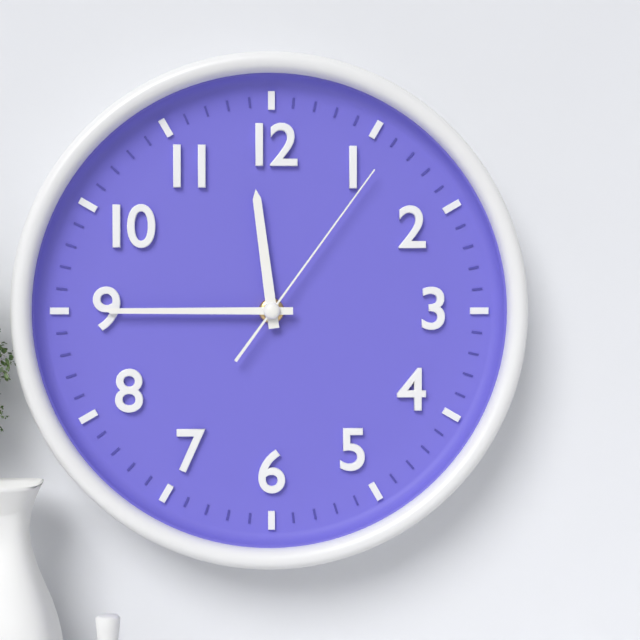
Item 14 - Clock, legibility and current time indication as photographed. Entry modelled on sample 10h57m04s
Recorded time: 11h45m06s
